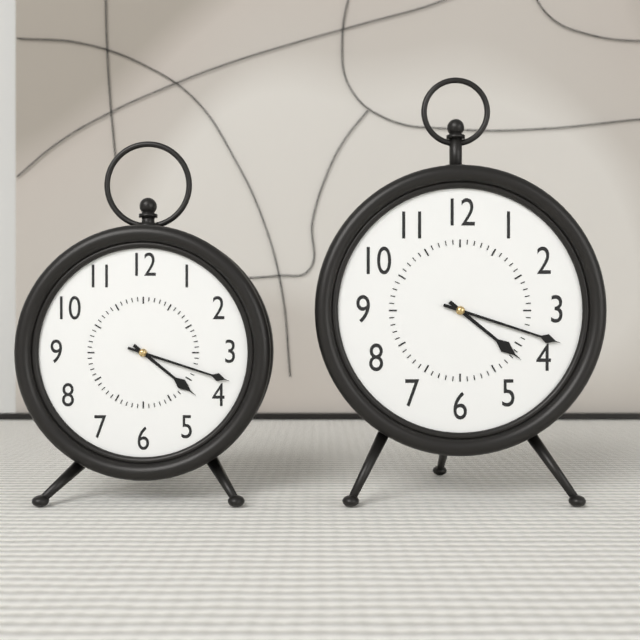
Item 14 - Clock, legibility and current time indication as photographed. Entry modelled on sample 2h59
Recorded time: 4h18
